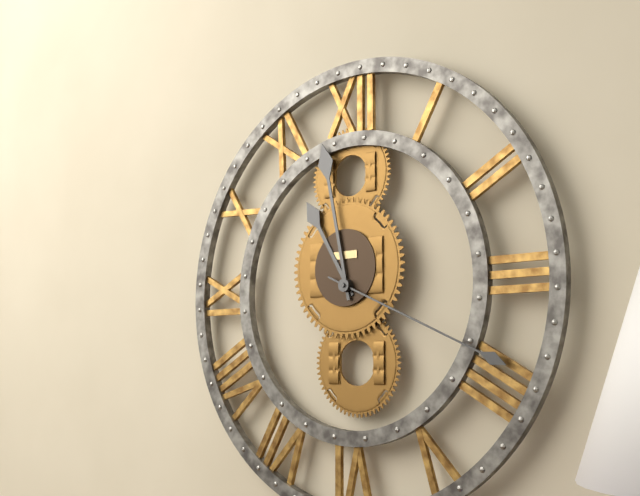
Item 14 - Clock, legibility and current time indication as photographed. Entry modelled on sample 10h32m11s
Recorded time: 10h58m19s
